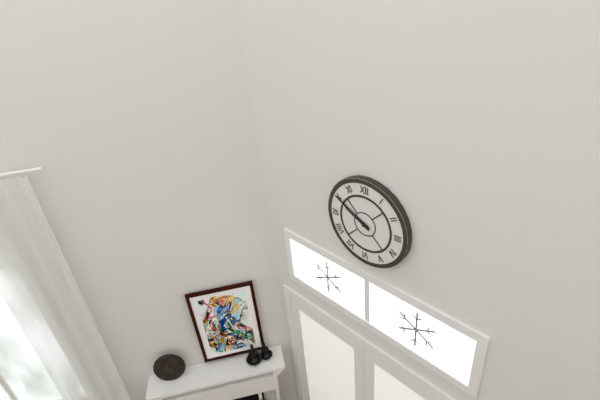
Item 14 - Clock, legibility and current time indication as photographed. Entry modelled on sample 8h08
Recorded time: 9h50
